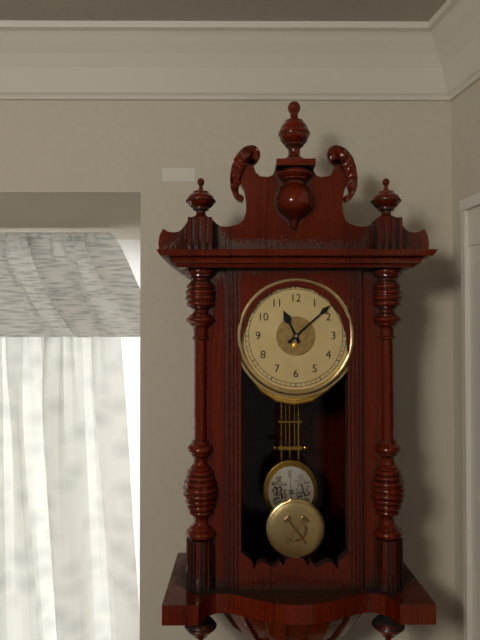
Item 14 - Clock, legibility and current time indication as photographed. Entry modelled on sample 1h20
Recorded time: 11h08
